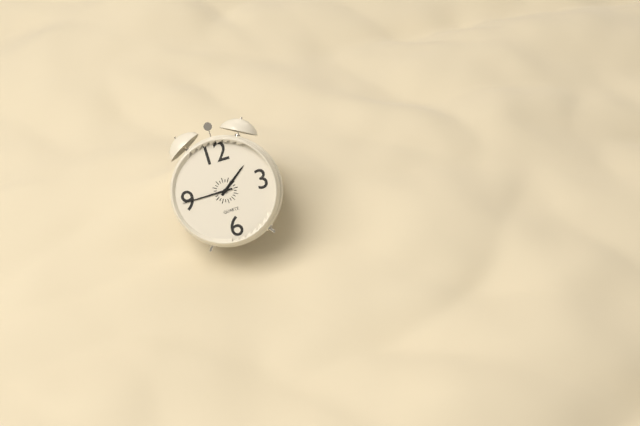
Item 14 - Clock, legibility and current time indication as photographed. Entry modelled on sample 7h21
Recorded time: 1h45
